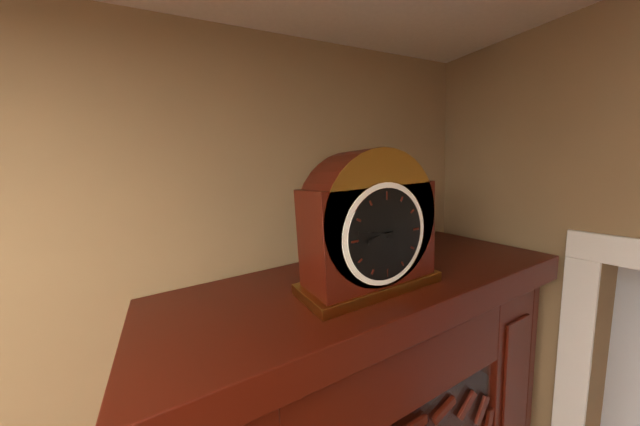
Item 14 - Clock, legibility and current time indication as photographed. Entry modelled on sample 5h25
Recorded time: 8h47
